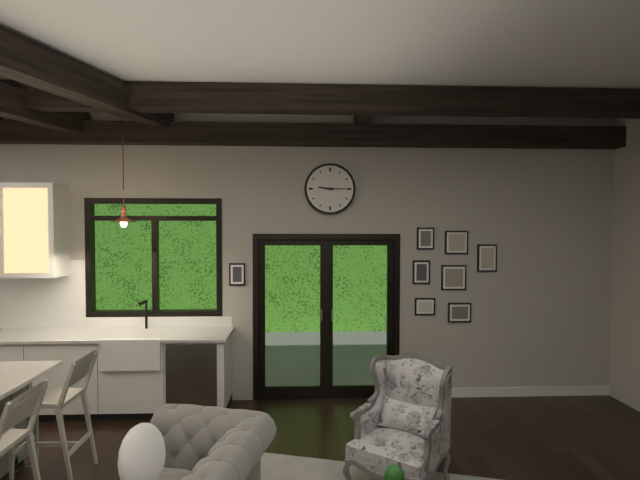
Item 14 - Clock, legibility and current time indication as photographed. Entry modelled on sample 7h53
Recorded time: 9h15
